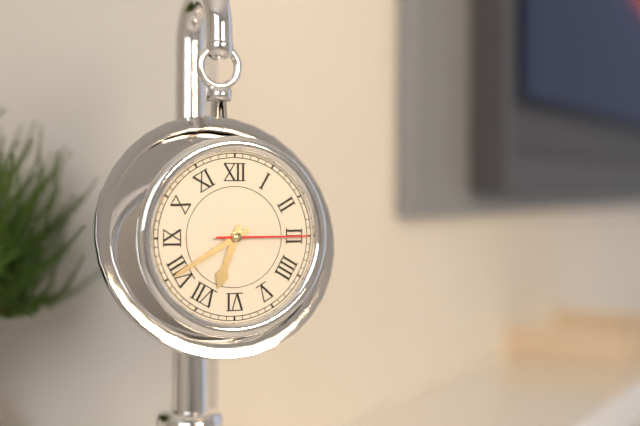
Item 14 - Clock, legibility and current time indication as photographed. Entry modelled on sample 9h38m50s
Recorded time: 6h40m15s
